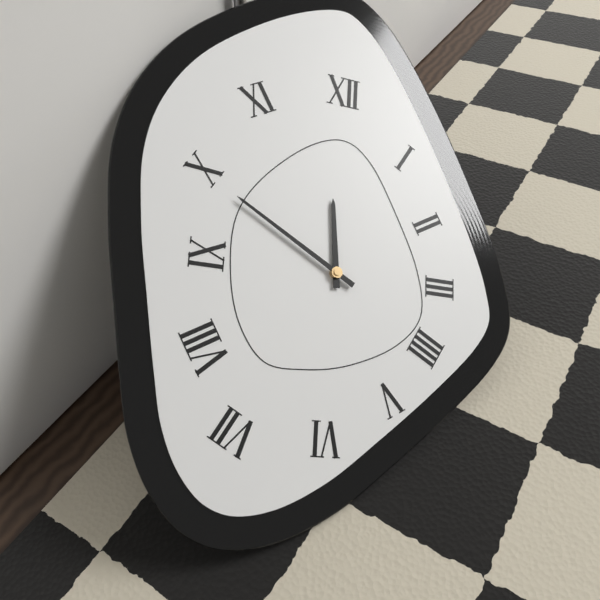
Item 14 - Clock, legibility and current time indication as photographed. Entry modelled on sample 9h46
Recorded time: 11h50
